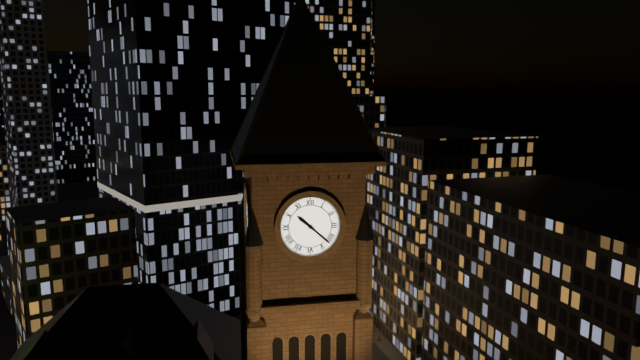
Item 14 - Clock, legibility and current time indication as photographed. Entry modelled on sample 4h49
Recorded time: 10h22
